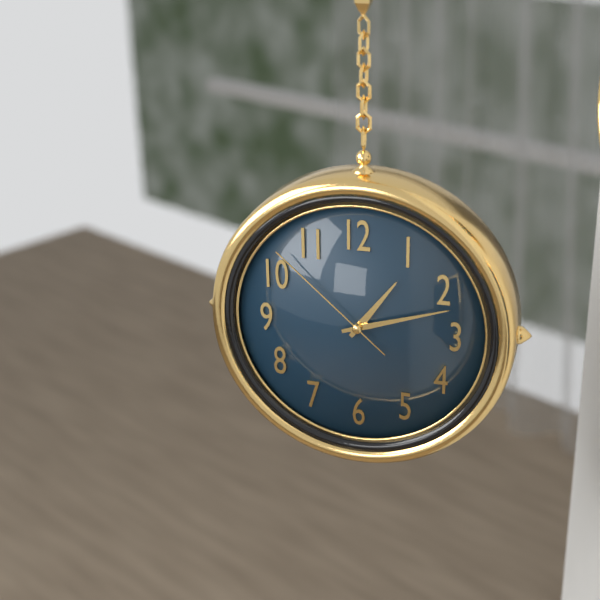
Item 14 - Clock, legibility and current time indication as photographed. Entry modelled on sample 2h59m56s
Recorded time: 1h12m52s
